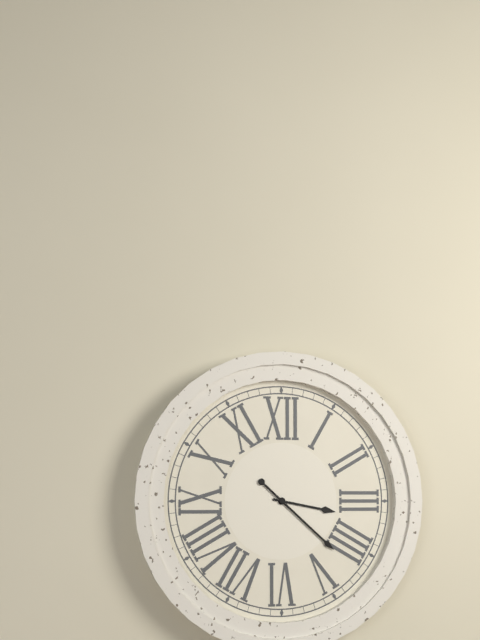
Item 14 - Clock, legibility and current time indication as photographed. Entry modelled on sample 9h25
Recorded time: 3h22
